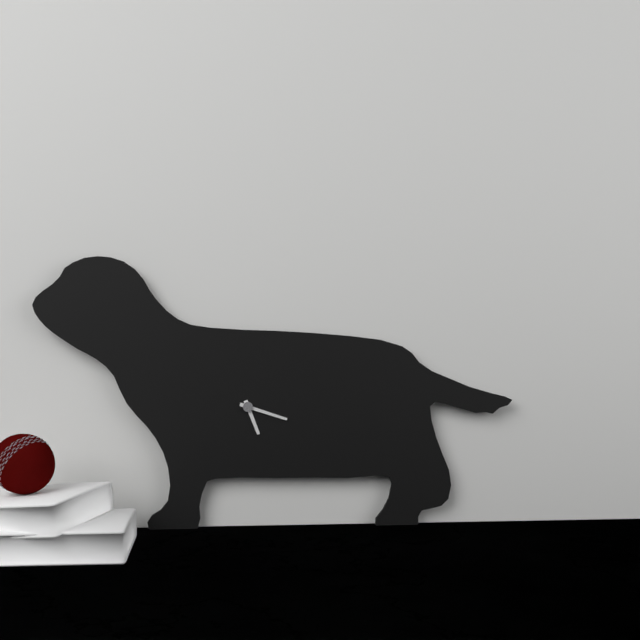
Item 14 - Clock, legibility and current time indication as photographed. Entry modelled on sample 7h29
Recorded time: 5h18
